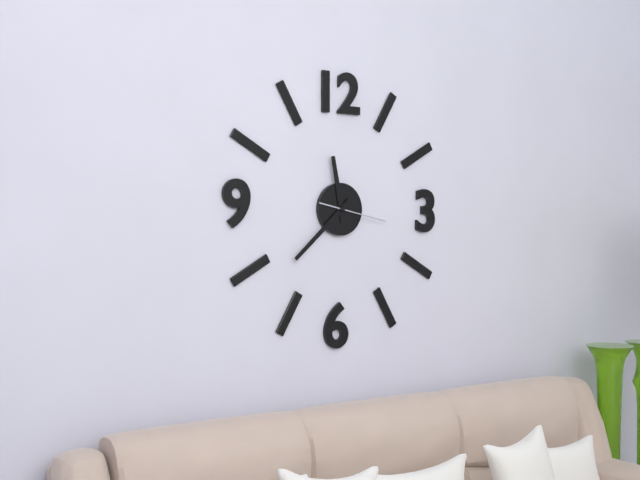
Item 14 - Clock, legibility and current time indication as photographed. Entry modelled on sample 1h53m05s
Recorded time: 11h38m17s
